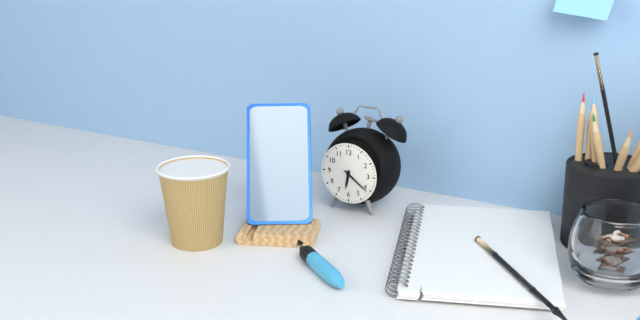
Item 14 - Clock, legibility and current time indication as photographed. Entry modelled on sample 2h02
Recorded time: 6h21
